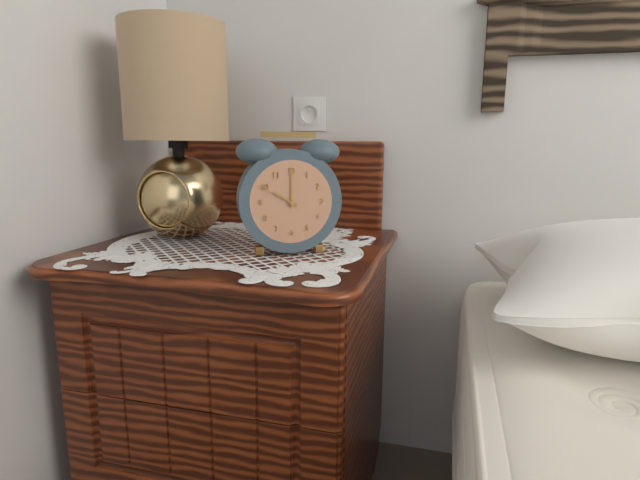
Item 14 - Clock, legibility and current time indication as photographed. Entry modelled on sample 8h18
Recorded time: 10h00
